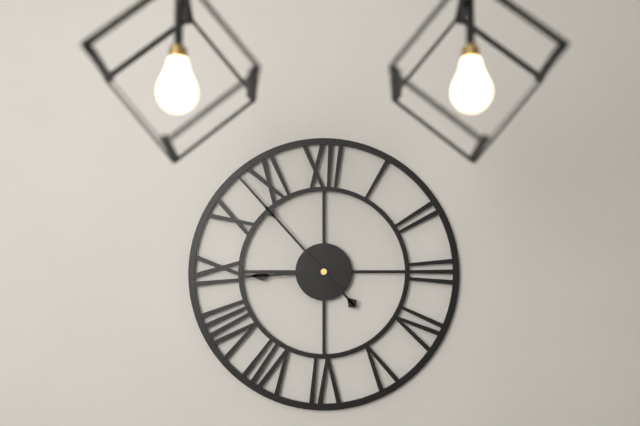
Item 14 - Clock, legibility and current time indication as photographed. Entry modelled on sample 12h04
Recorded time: 8h53
